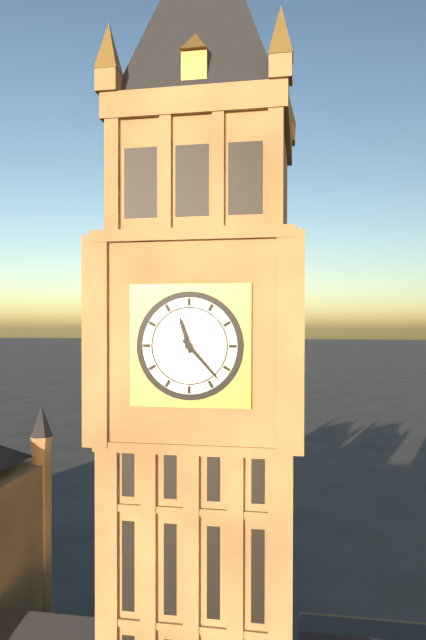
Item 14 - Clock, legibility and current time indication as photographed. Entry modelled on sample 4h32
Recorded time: 11h23
